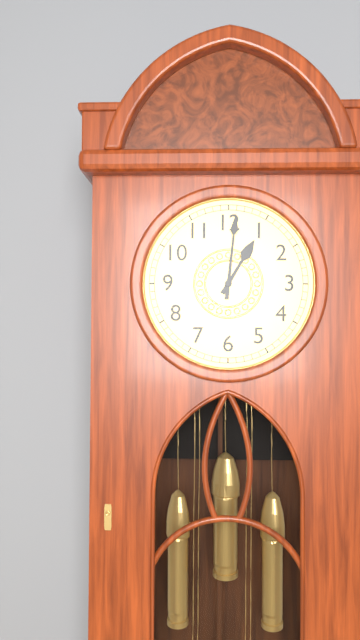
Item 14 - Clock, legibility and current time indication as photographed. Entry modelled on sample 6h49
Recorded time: 1h01
